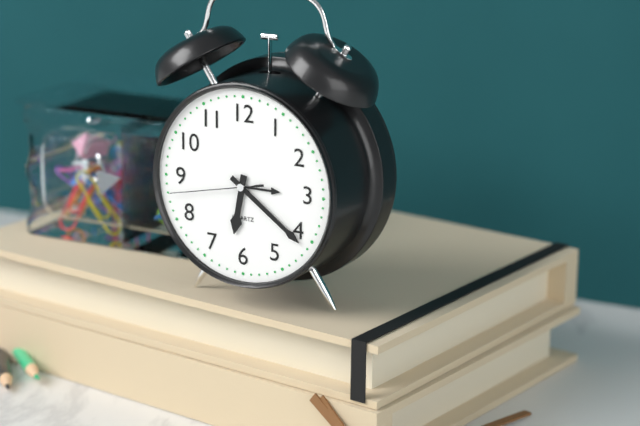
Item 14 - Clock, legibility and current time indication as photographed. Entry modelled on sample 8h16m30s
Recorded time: 6h21m43s
